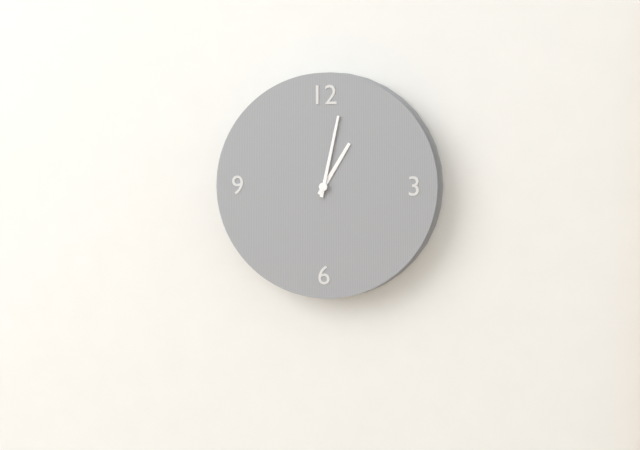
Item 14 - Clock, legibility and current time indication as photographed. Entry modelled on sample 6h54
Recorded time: 1h02
